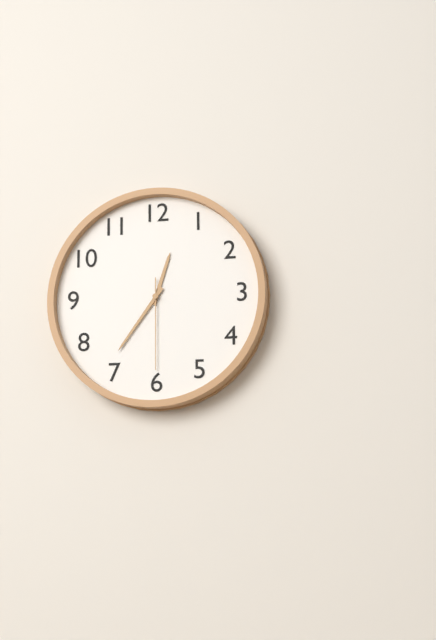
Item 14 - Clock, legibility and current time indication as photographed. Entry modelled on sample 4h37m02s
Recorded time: 12h36m30s
